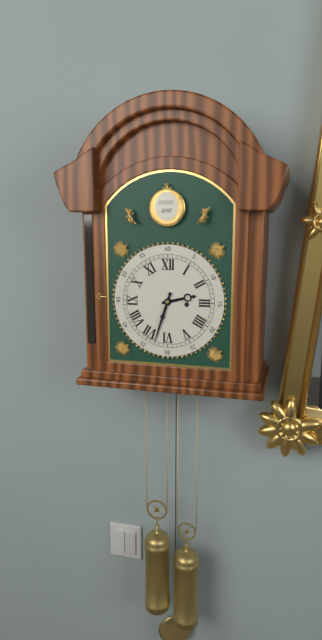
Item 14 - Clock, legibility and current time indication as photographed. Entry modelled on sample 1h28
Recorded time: 2h33
